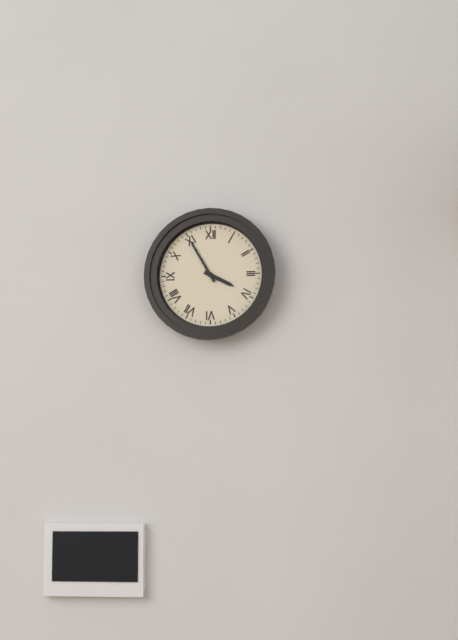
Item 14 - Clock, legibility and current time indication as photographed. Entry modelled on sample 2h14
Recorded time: 3h55
